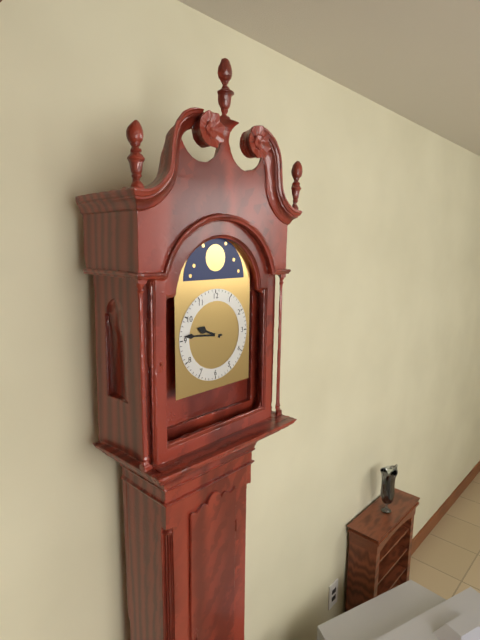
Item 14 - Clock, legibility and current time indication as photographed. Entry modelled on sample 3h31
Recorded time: 9h46
